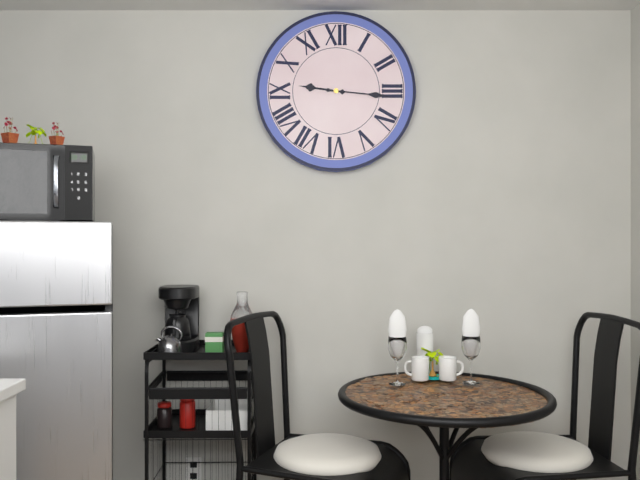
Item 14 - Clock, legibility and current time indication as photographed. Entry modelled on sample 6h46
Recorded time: 9h16
